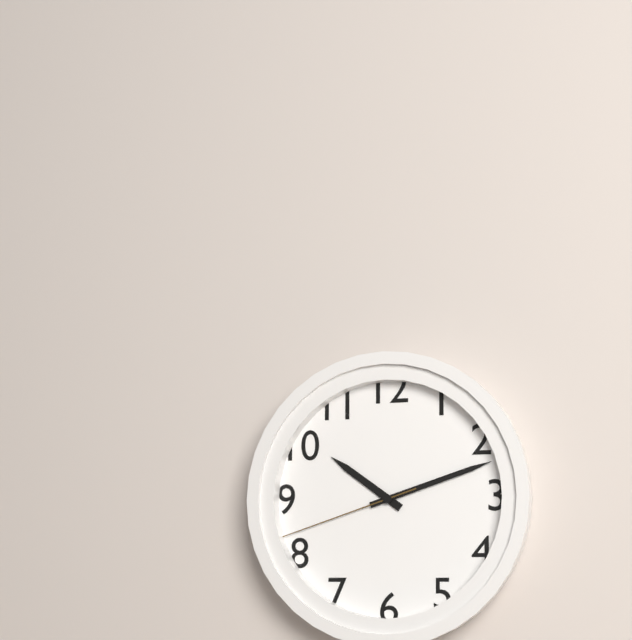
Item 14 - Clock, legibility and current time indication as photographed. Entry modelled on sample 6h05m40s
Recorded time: 10h12m42s
